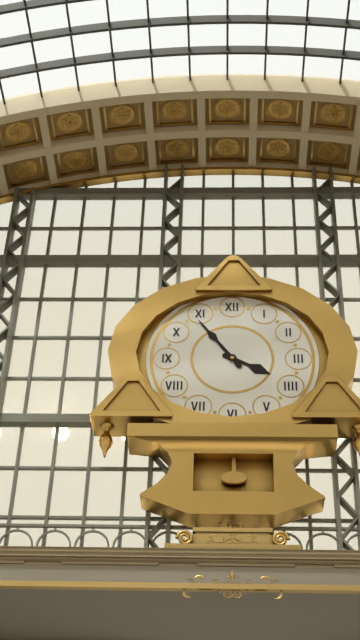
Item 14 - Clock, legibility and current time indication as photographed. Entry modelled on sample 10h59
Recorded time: 3h54
